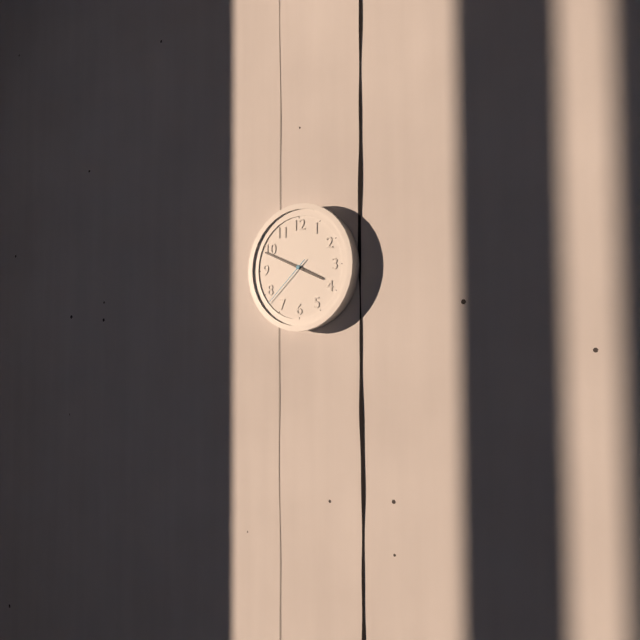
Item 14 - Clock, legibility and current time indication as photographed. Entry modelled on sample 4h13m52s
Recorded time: 3h49m38s
